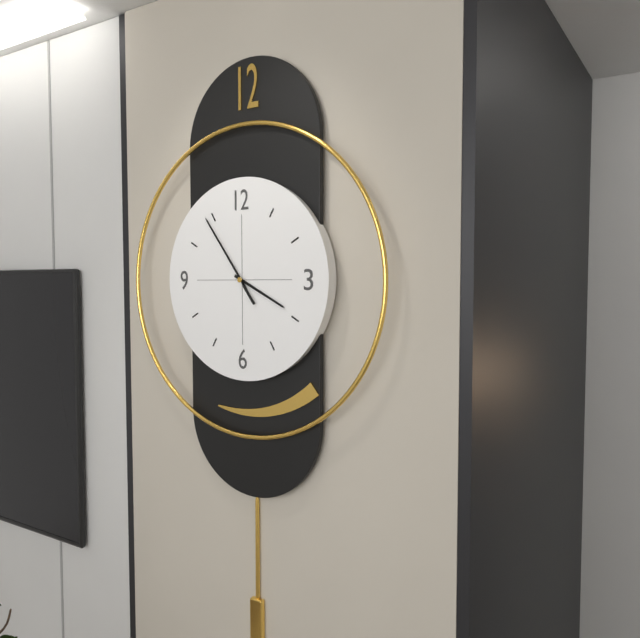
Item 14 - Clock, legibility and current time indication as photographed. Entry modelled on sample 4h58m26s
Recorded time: 3h54m54s
